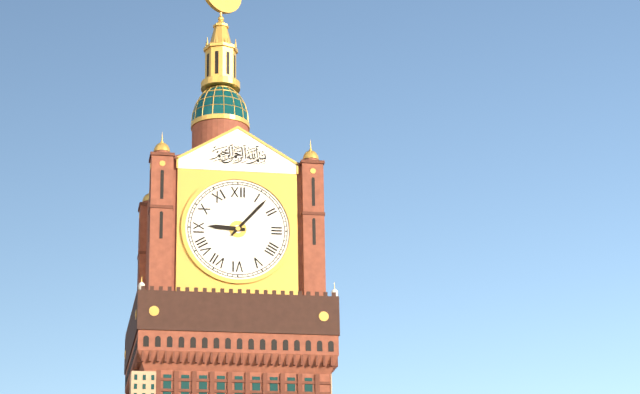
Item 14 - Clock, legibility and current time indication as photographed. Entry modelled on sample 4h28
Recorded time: 9h07
